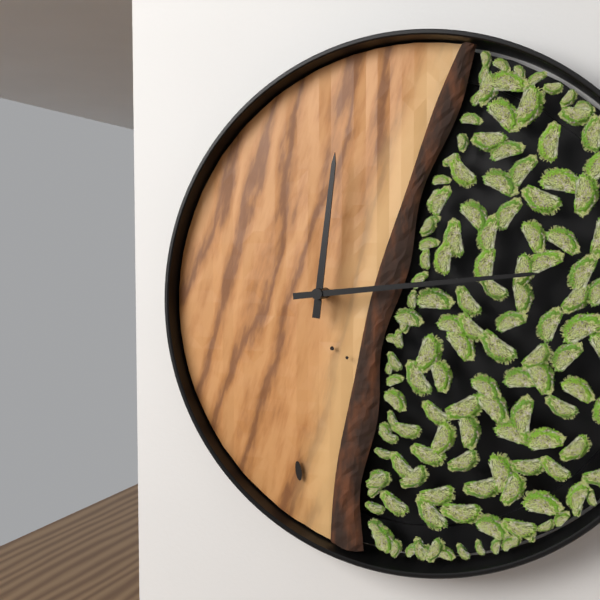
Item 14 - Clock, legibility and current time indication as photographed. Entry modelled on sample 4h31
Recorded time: 12h14
